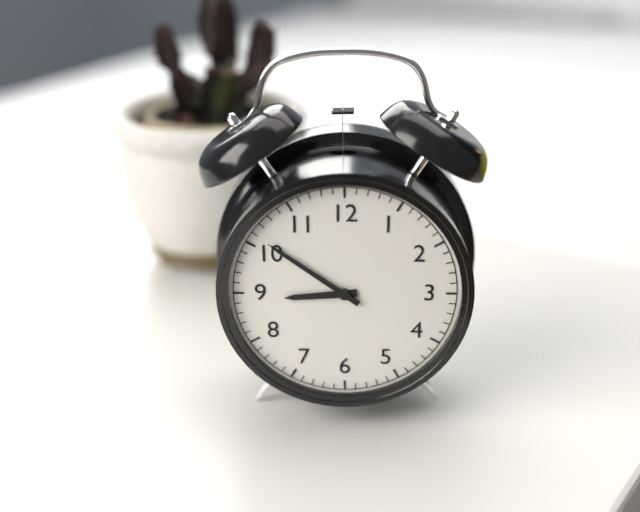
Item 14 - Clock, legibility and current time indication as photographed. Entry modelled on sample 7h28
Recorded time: 8h51
